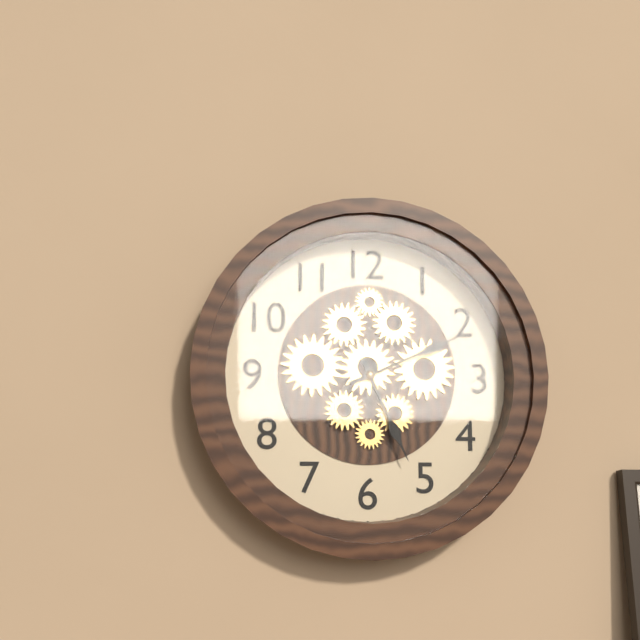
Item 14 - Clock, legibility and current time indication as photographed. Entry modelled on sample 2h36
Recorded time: 5h11
